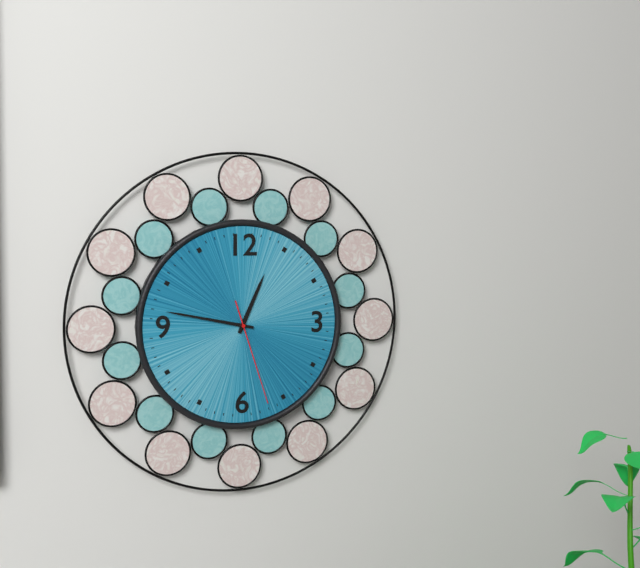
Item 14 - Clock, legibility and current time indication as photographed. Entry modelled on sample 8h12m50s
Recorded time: 12h47m27s
